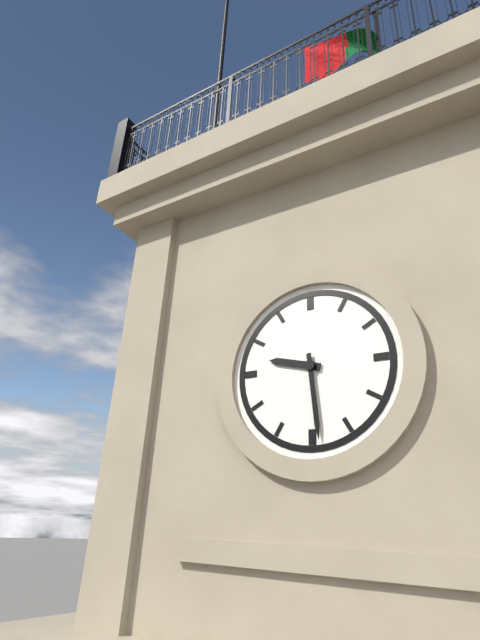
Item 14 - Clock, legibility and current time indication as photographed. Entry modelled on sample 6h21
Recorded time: 9h29
